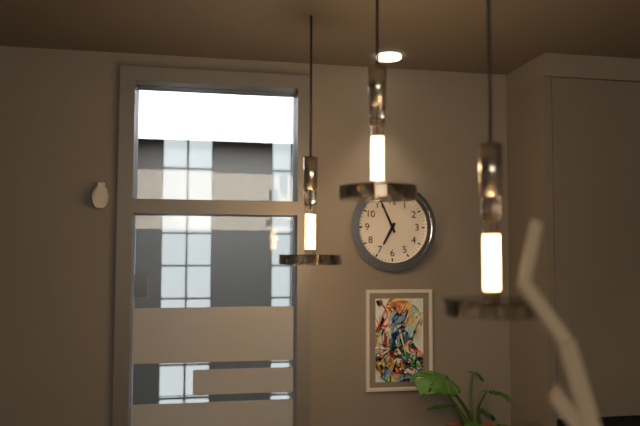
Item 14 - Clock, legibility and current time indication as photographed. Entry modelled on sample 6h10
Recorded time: 6h56
